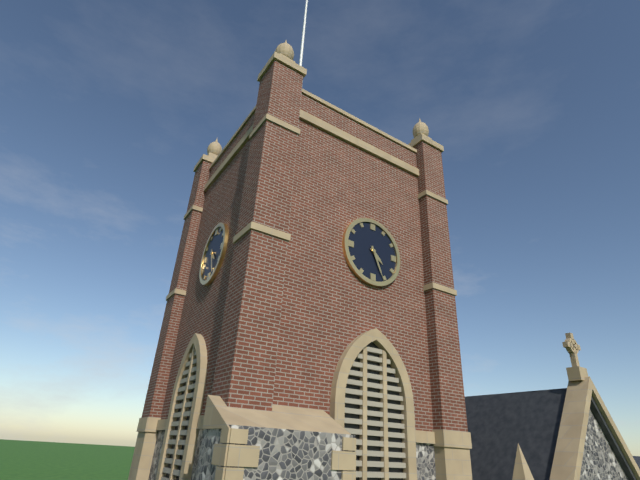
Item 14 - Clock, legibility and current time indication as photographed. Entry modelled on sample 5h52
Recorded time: 4h26
